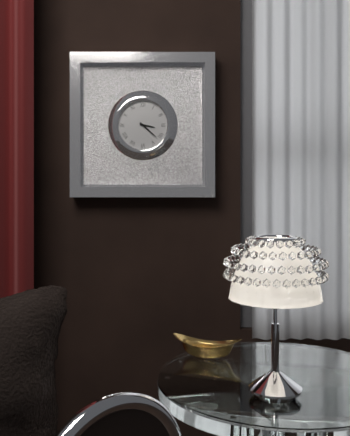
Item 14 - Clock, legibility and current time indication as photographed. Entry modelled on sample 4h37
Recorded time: 3h22
